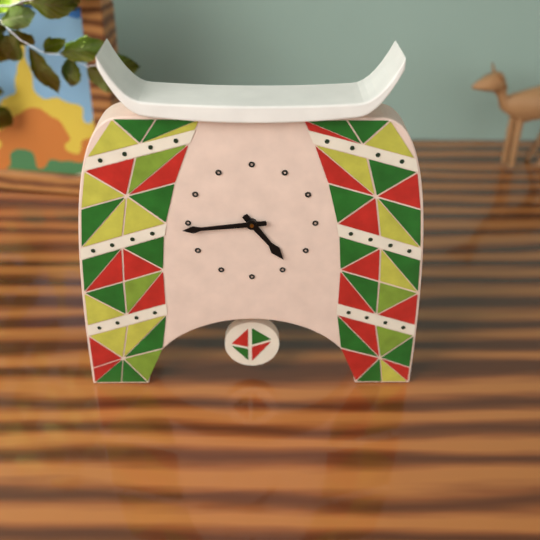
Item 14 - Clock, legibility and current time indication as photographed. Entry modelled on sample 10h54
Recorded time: 4h44
